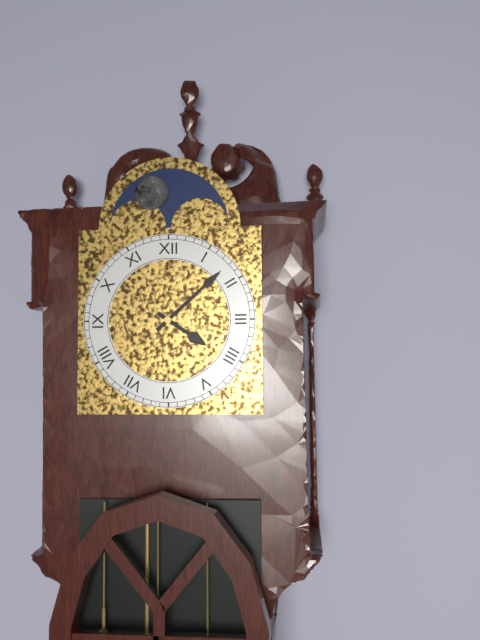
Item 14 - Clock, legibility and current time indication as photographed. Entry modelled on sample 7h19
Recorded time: 4h08
